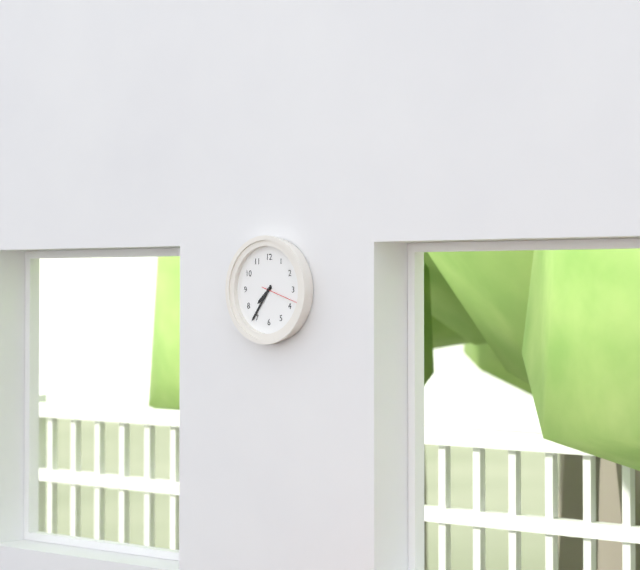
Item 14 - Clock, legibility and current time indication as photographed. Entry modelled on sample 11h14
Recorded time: 7h36
